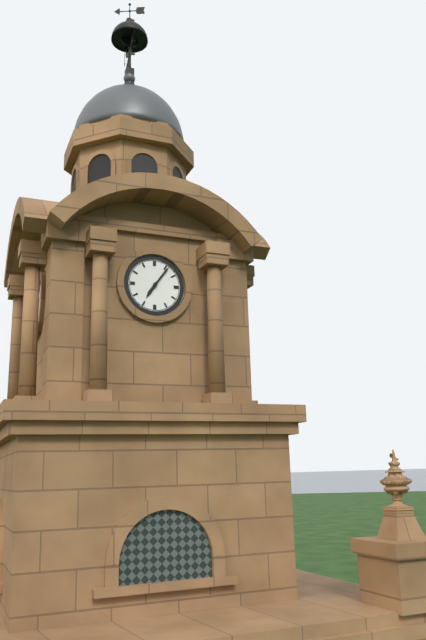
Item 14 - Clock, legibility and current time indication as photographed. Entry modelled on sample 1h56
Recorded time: 7h06
